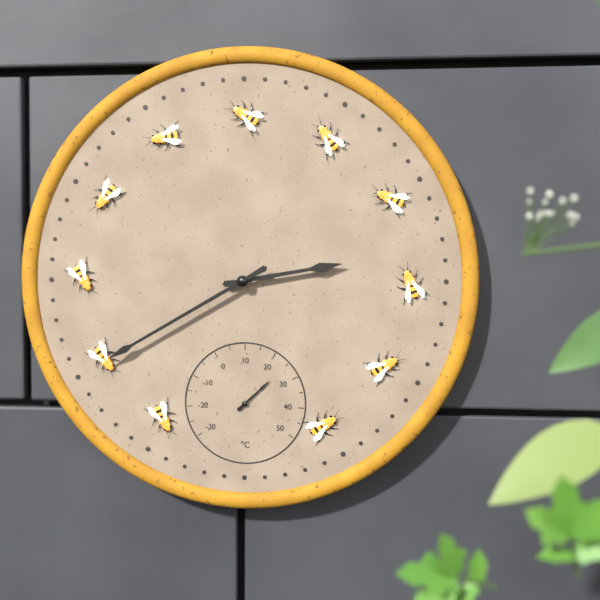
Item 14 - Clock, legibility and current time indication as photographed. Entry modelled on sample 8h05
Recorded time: 2h40
